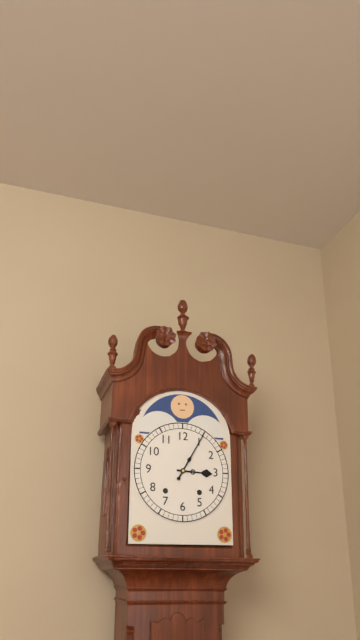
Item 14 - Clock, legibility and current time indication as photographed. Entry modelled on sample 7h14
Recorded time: 3h05
